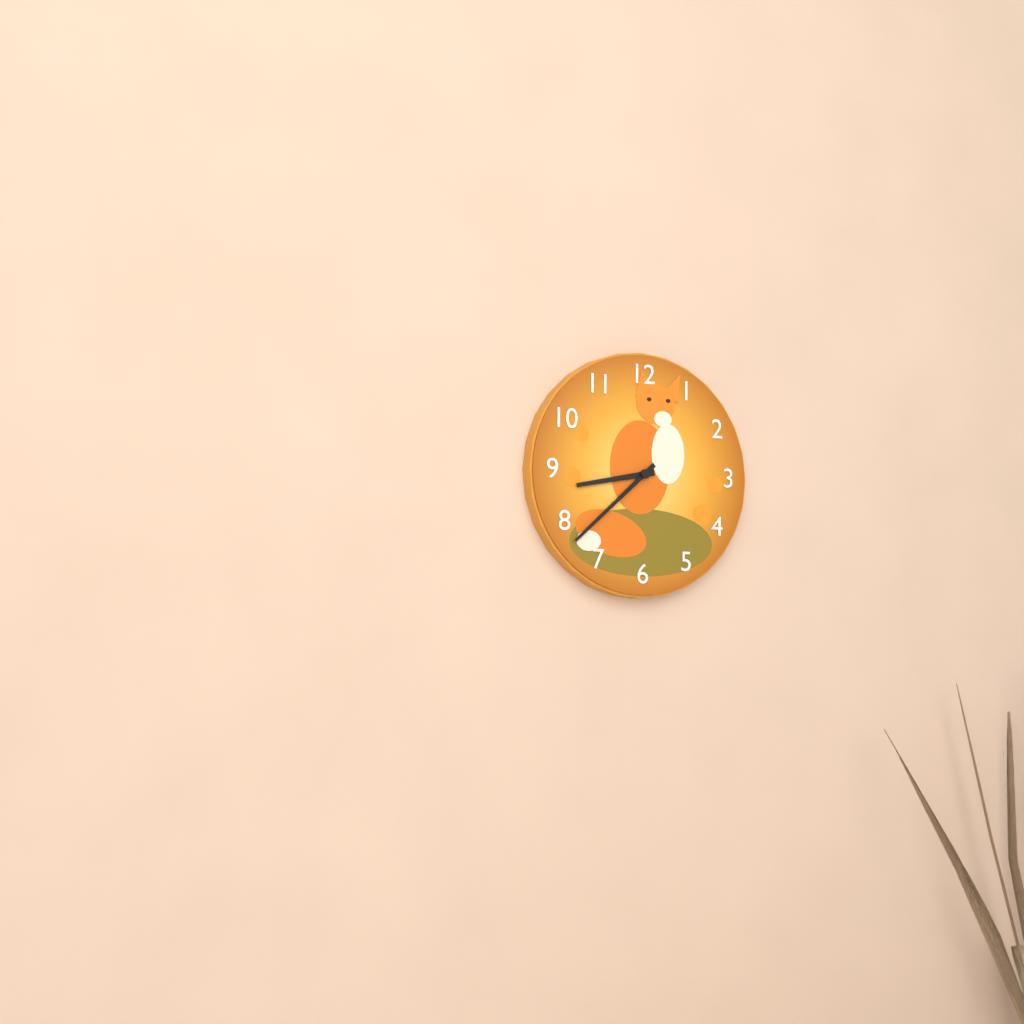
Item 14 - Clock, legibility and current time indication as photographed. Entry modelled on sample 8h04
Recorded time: 8h38
